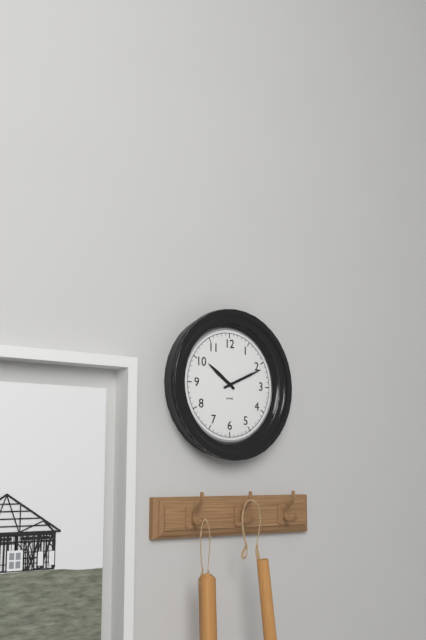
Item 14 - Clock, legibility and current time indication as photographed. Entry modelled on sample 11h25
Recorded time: 10h11
